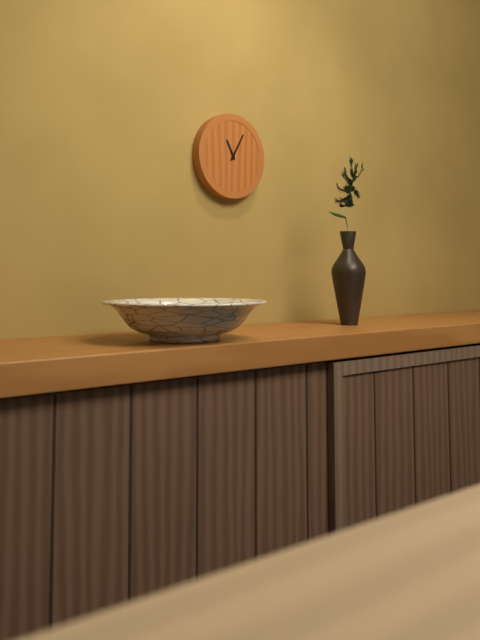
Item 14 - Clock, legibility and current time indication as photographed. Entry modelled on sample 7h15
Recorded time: 11h05
